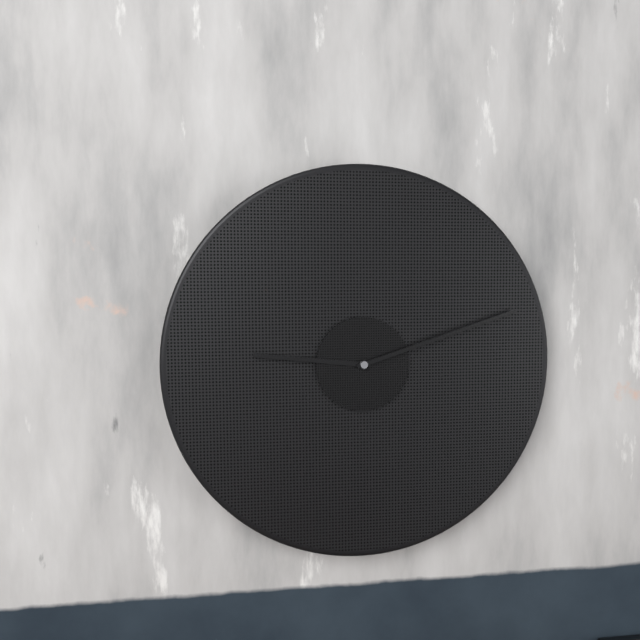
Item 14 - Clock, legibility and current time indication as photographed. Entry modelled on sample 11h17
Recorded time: 9h12
